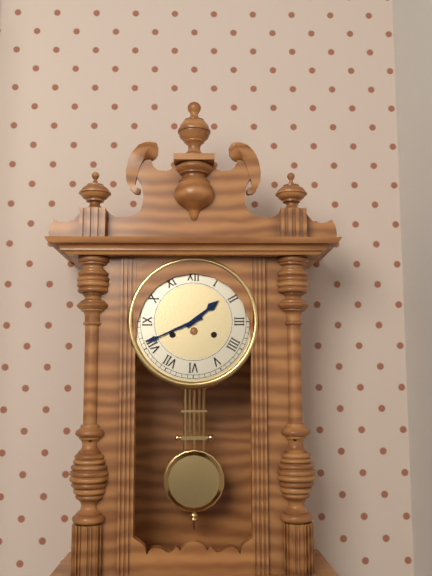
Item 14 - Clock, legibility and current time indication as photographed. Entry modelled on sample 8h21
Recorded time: 1h41
